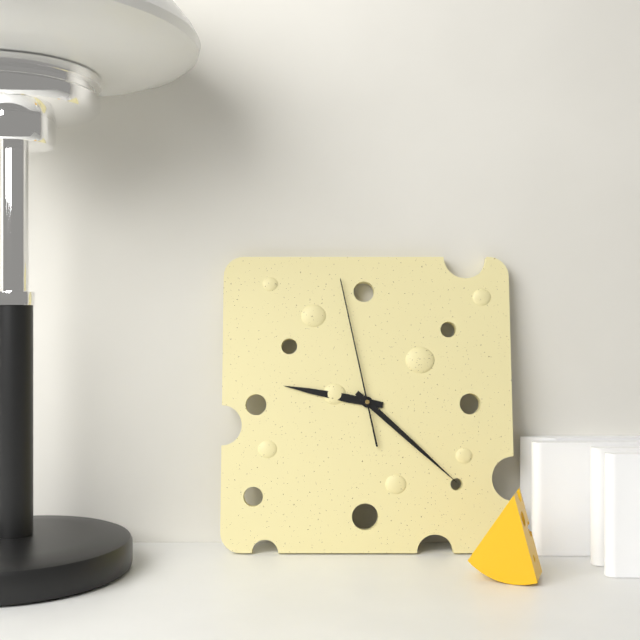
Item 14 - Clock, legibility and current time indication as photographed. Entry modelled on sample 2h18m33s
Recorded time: 9h22m58s
